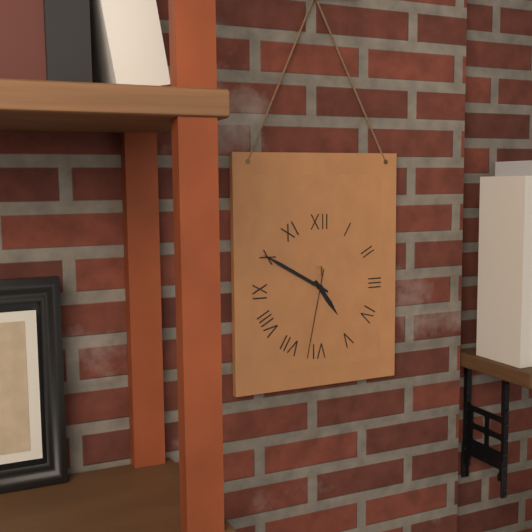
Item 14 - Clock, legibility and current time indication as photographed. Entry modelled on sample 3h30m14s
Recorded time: 4h50m32s
